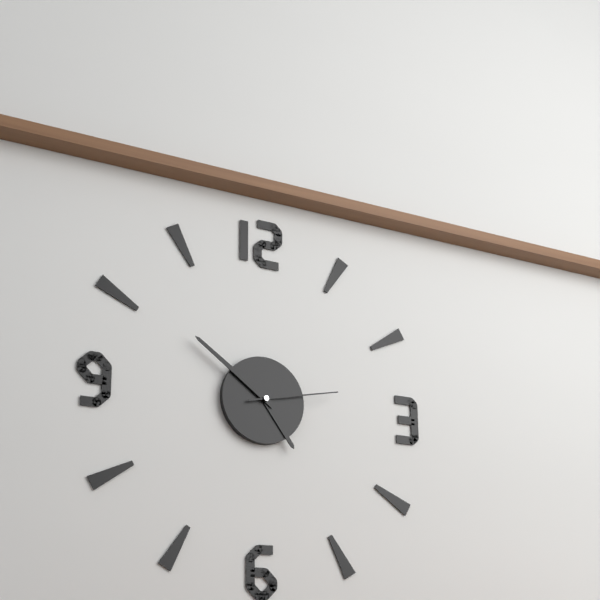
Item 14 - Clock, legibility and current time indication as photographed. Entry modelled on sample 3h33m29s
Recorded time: 4h51m13s
